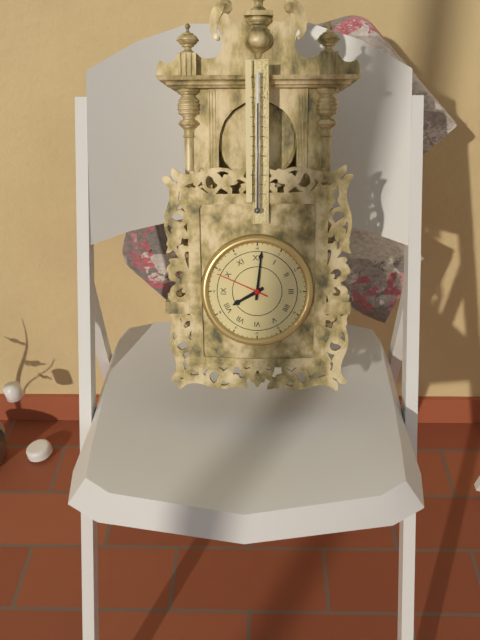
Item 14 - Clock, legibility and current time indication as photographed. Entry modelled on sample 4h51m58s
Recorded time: 8h01m49s
